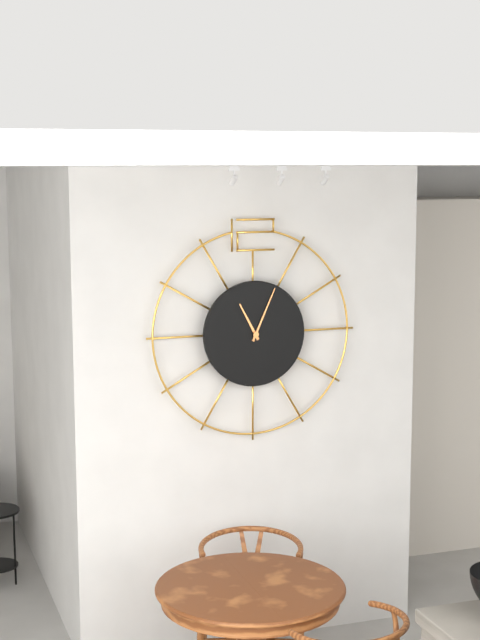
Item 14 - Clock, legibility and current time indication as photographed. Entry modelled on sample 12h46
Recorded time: 11h04
